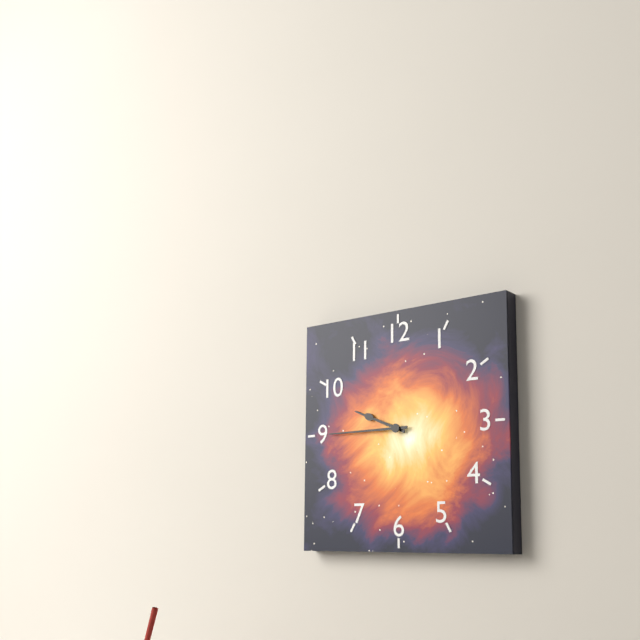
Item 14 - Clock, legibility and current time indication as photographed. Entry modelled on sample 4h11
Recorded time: 9h45
